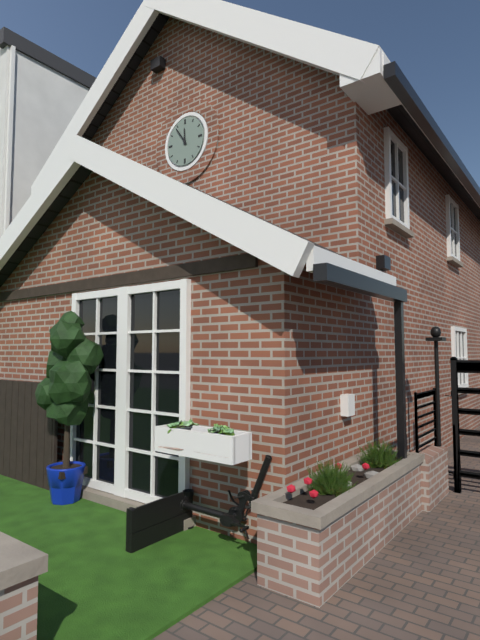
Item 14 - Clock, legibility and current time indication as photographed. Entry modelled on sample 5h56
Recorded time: 11h54
